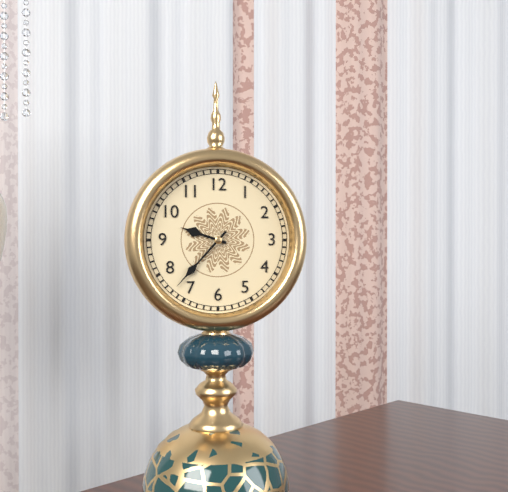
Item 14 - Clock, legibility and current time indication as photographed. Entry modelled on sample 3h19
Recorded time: 9h37
